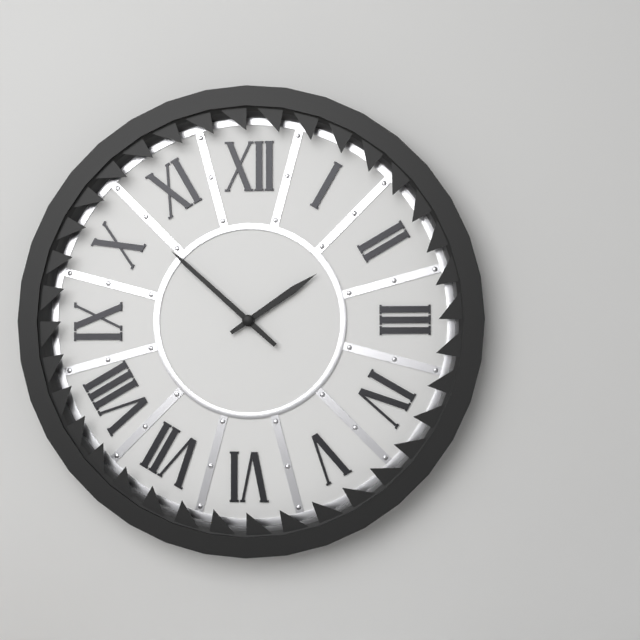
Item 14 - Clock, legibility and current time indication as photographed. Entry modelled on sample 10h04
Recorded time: 1h52
